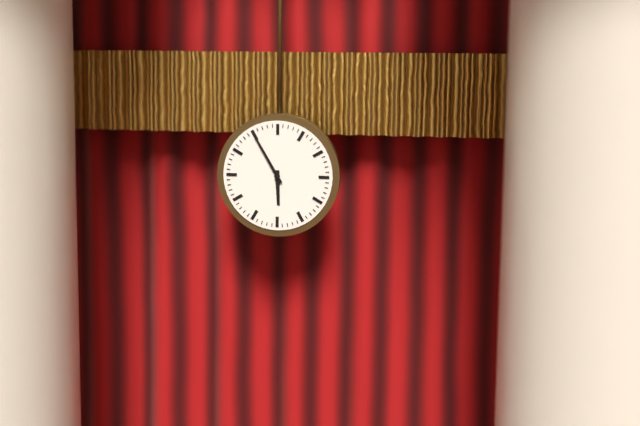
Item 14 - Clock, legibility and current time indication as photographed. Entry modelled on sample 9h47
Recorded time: 5h55
